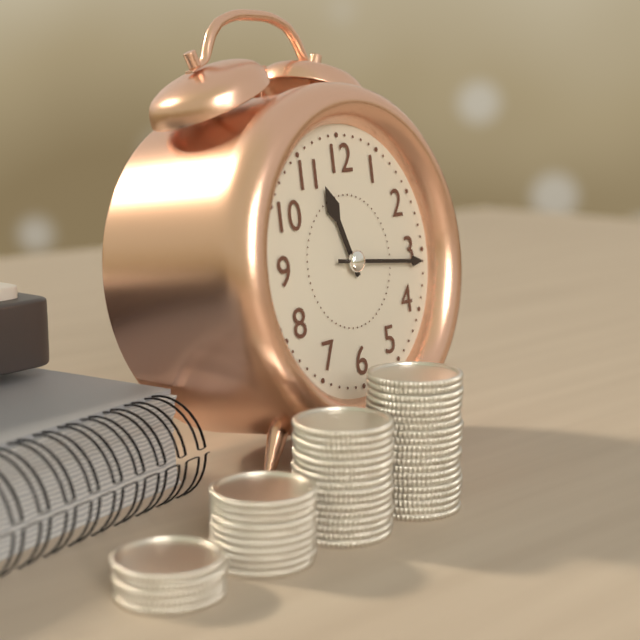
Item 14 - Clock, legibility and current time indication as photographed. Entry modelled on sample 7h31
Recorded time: 11h16
